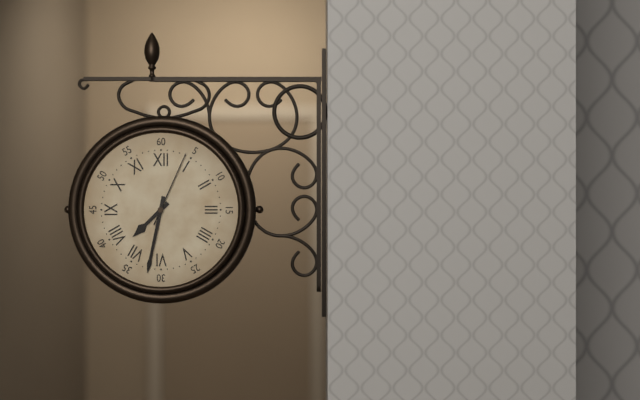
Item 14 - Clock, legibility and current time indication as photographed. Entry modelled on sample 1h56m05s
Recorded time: 7h32m04s
